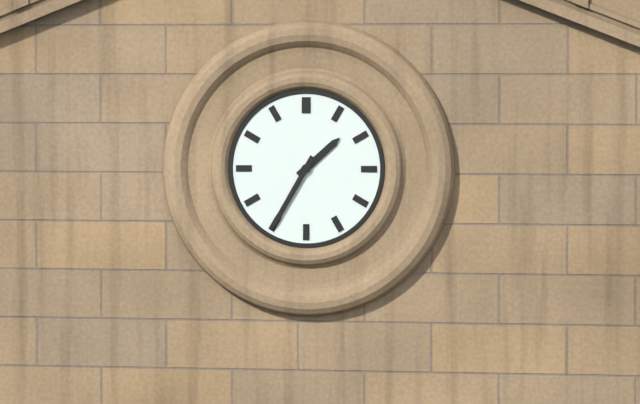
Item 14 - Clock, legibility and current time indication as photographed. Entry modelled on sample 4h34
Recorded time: 1h35
